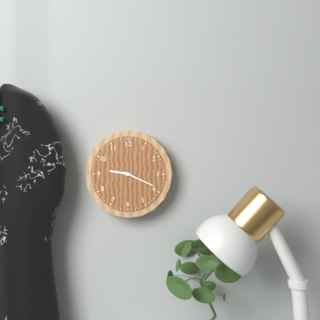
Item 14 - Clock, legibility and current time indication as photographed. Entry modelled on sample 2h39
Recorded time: 9h19
